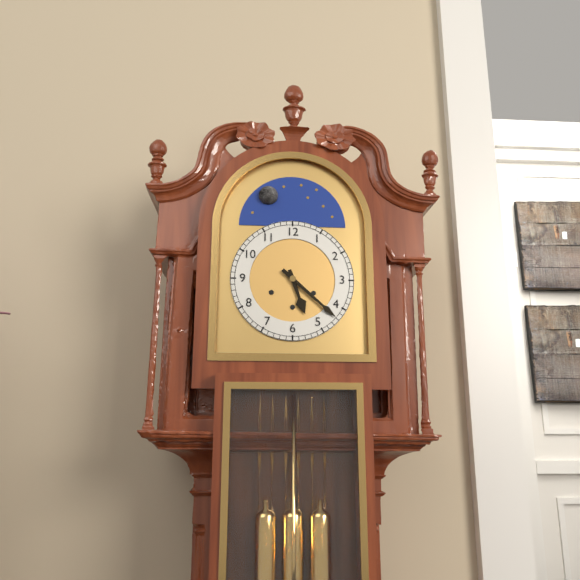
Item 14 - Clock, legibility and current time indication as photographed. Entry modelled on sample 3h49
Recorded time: 5h22
